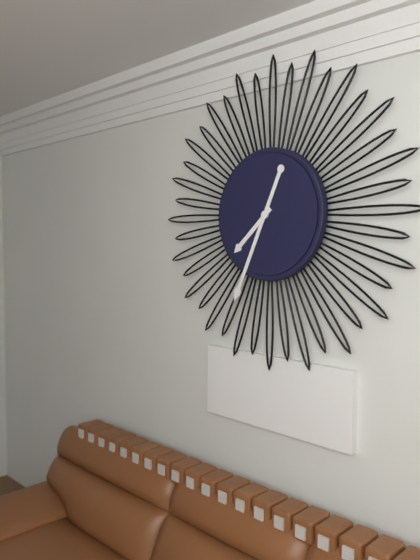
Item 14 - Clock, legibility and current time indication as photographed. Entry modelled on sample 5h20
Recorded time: 7h34
